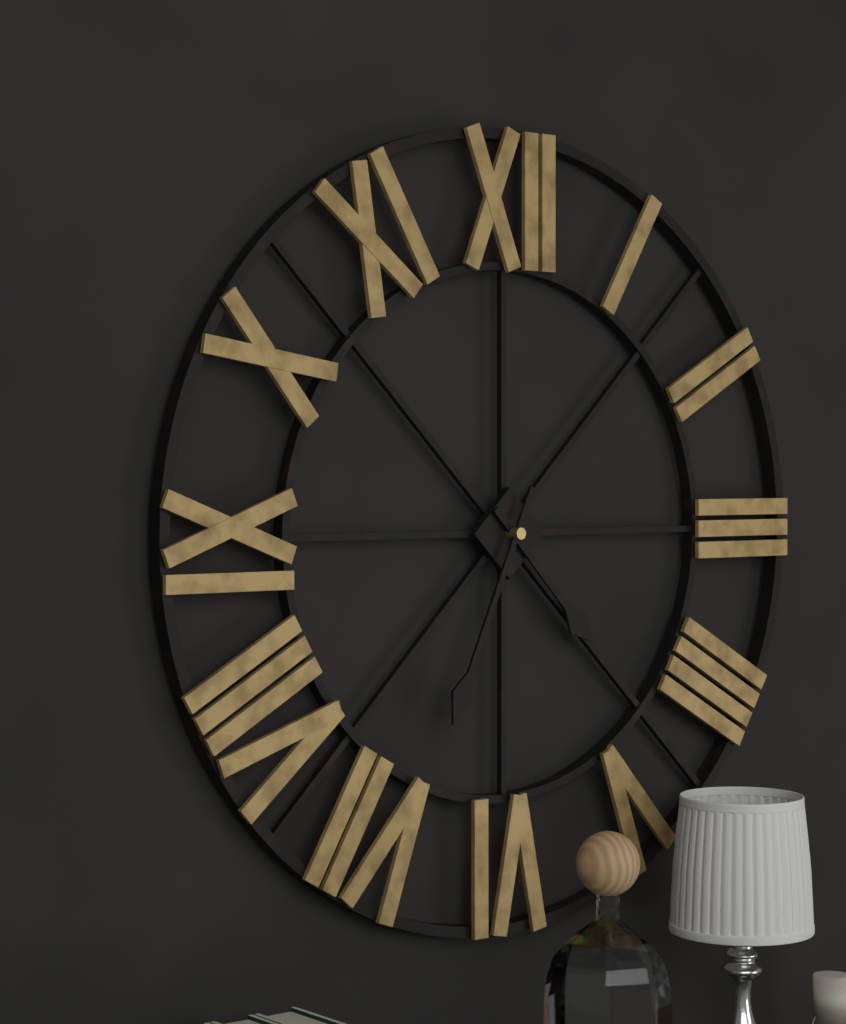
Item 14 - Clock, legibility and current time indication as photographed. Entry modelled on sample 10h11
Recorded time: 4h34
